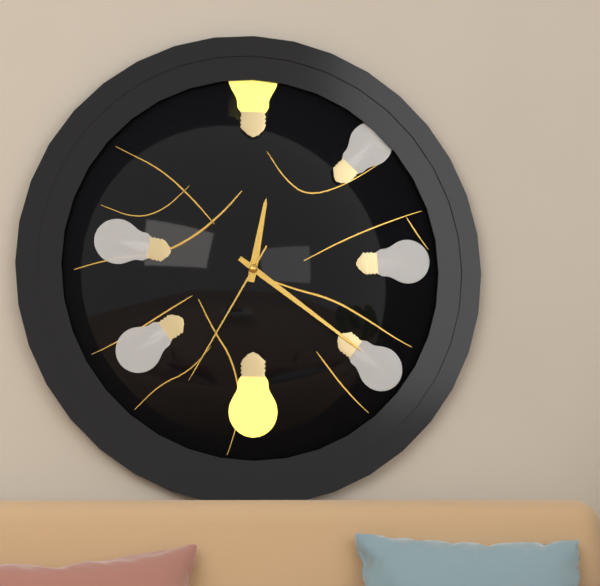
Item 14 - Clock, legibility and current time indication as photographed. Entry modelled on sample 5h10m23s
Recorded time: 12h21m35s
